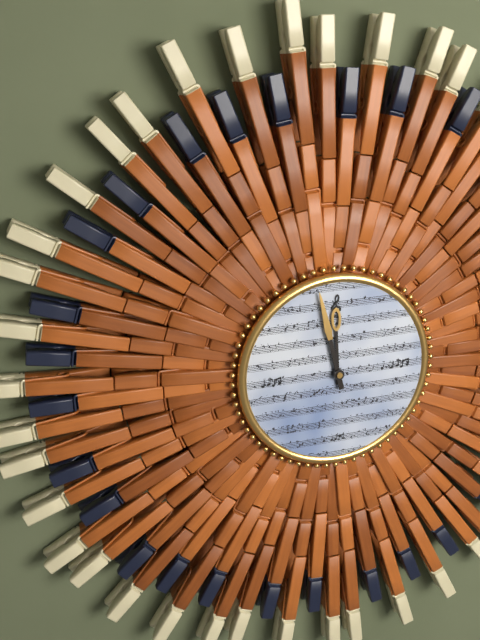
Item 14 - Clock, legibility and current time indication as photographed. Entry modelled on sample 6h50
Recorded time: 11h58
